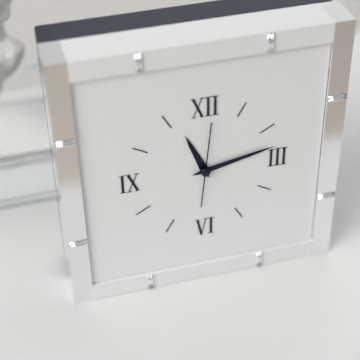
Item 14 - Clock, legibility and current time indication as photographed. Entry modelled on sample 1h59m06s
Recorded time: 11h13m01s
